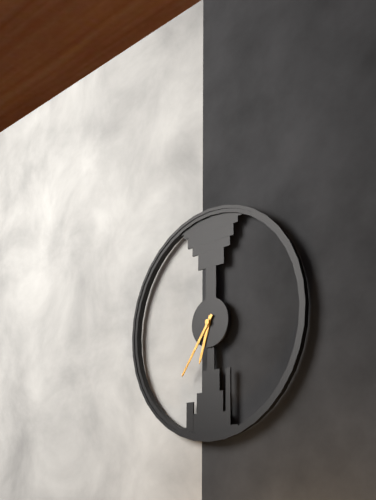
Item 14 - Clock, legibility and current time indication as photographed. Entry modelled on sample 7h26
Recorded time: 6h36
